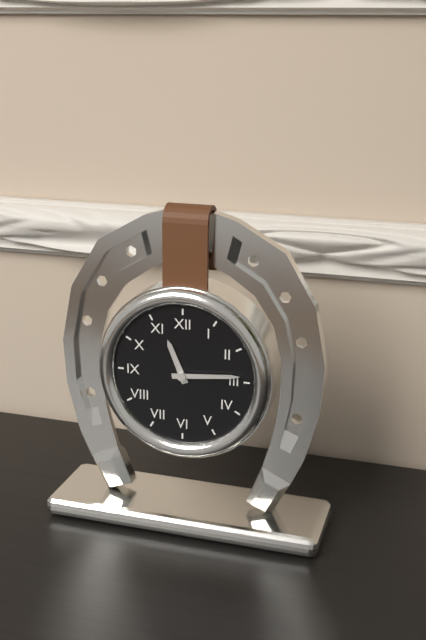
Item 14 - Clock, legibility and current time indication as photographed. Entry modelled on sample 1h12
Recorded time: 11h14
